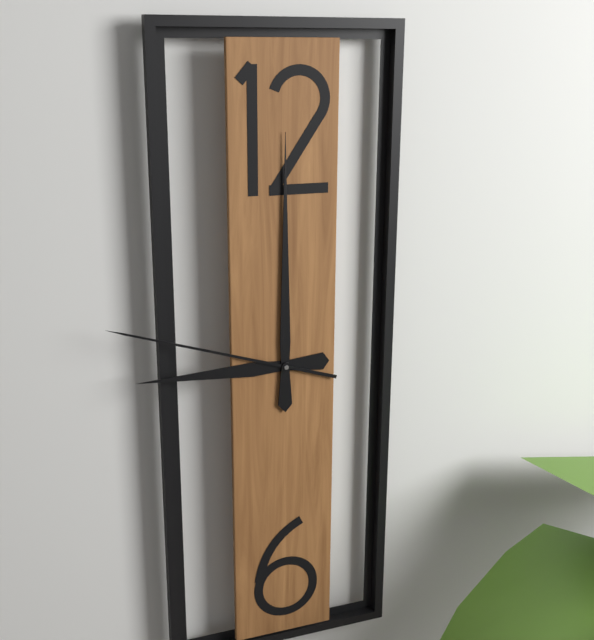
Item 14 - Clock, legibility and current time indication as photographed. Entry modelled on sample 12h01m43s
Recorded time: 9h00m48s
